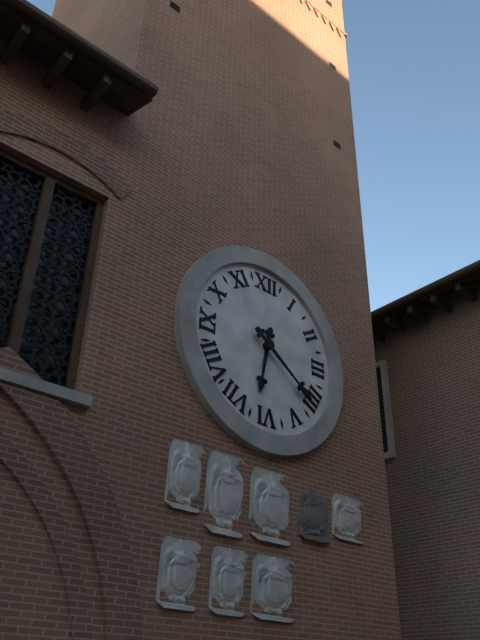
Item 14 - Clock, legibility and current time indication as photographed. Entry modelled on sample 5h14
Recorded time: 6h21
